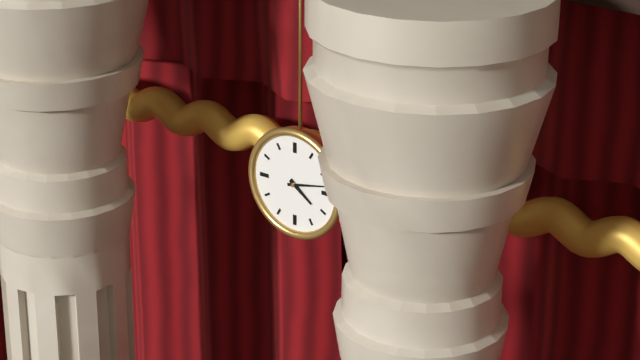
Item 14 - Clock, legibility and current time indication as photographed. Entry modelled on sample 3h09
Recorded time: 4h13
